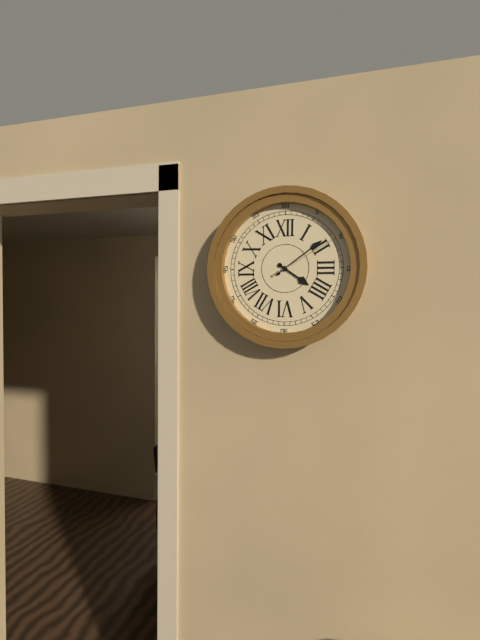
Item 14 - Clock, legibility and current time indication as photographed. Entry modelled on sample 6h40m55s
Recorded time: 4h09m10s
